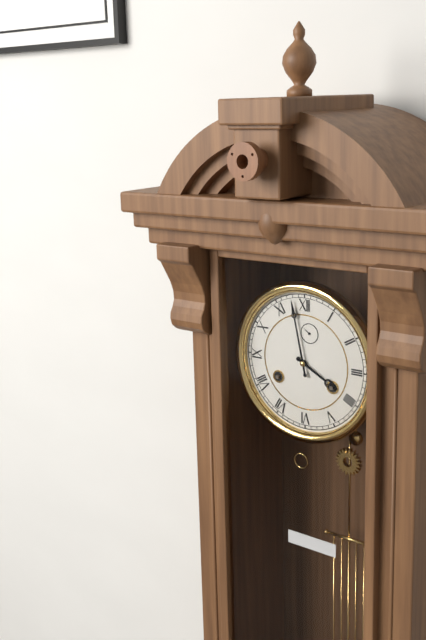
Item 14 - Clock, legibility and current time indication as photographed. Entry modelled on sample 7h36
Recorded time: 3h58
